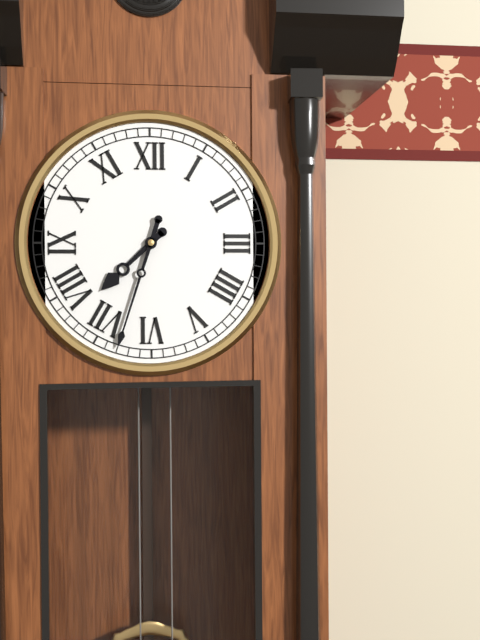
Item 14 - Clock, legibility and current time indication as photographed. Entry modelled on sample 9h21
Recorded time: 7h33
